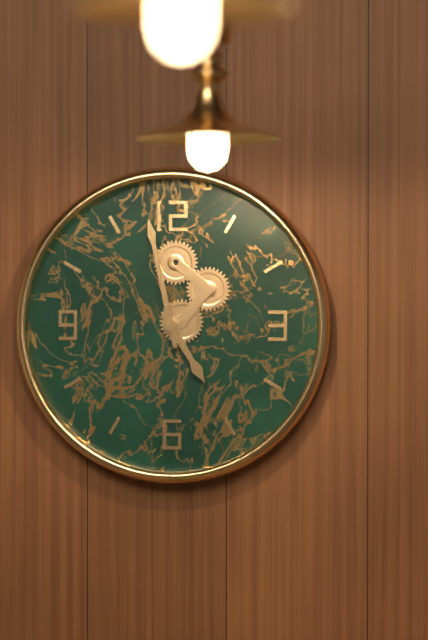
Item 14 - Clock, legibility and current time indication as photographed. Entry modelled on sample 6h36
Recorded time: 4h58
